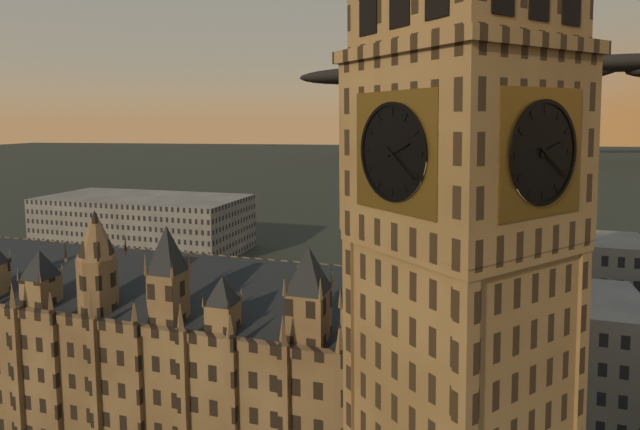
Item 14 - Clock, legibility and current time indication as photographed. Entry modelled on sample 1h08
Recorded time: 2h21
